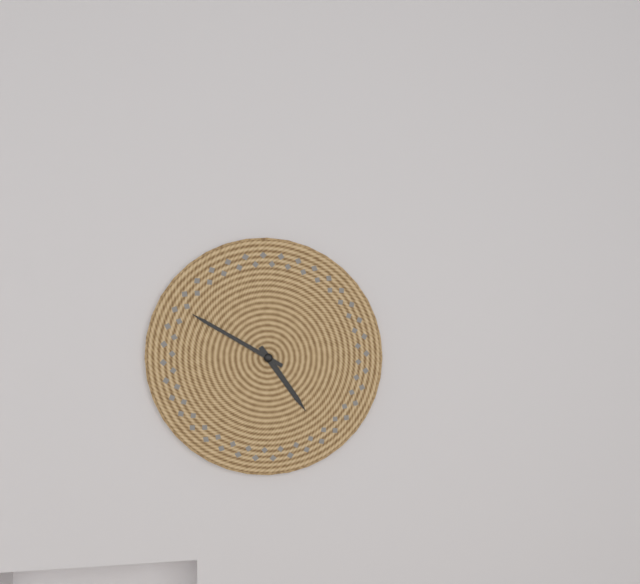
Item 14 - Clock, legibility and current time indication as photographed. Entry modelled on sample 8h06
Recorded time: 4h50
